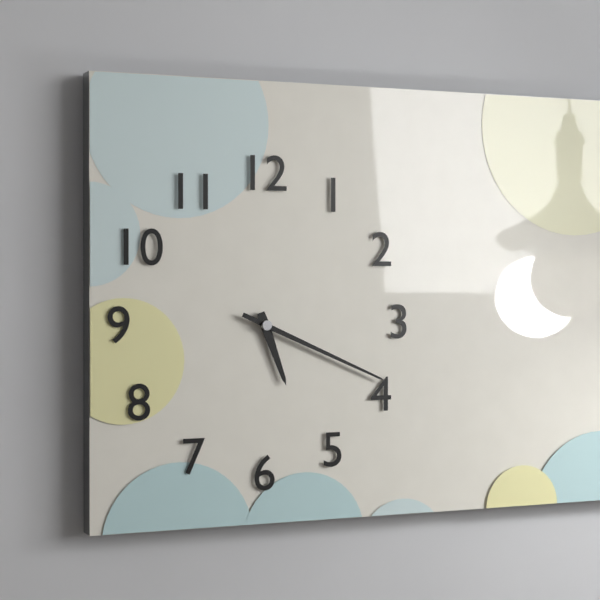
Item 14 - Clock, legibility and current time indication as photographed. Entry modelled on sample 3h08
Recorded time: 5h19
